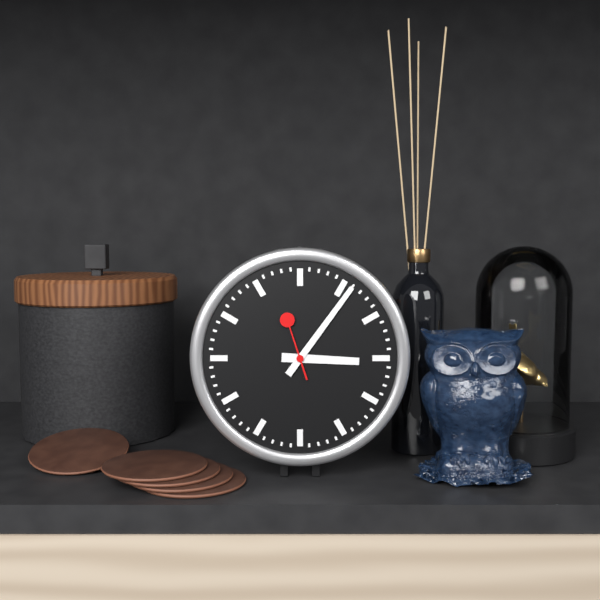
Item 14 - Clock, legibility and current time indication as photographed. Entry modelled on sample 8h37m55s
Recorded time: 3h06m57s
